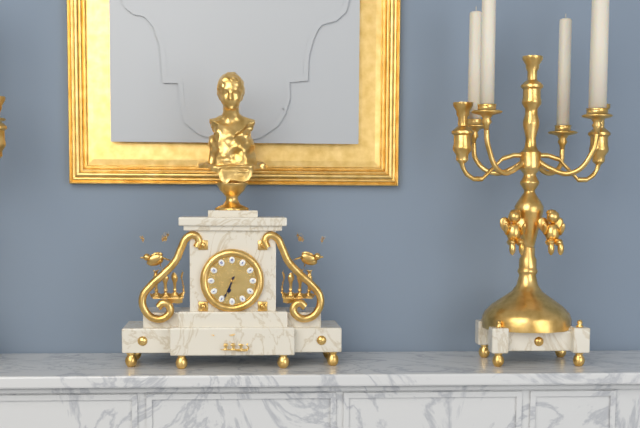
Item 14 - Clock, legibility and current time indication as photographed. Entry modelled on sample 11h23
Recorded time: 6h34
